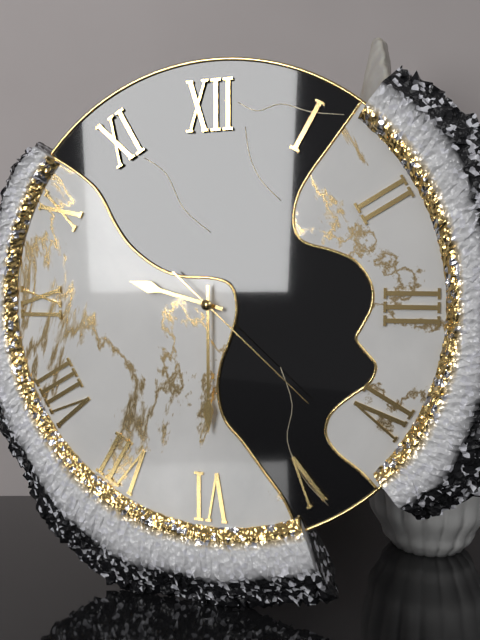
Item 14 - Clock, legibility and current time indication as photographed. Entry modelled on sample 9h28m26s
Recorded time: 9h30m22s
